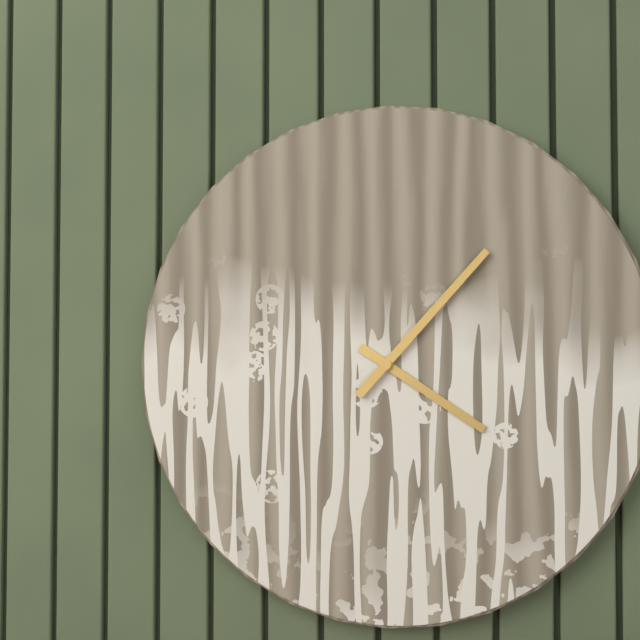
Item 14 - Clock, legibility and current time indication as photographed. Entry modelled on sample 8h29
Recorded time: 4h07
